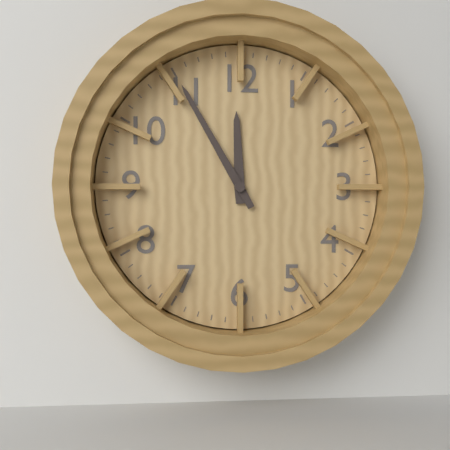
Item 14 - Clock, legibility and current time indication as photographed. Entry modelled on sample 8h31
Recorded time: 11h55
